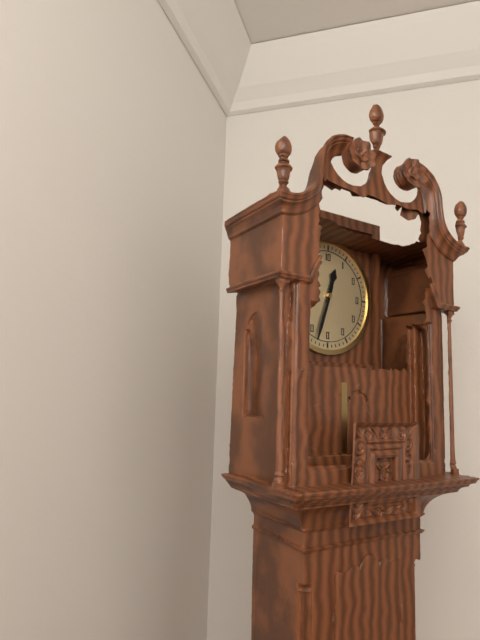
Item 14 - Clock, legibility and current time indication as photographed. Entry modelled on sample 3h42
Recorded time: 12h33
